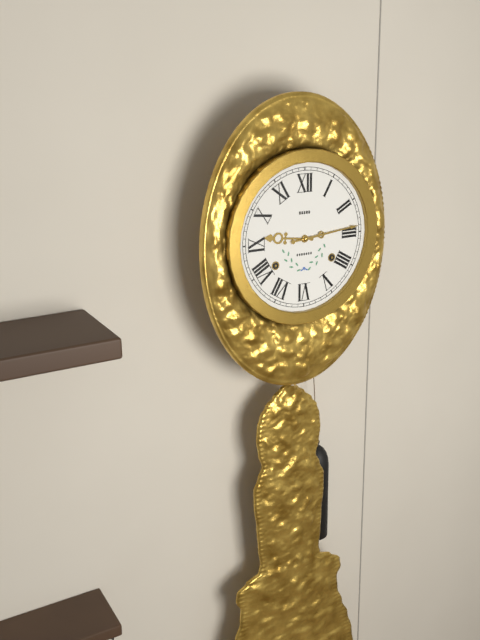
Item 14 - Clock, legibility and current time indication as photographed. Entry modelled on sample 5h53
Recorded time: 9h14
